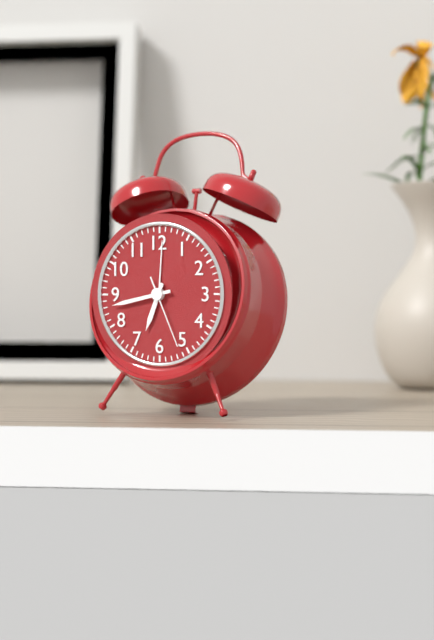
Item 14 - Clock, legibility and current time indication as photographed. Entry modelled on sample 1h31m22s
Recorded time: 6h43m26s
